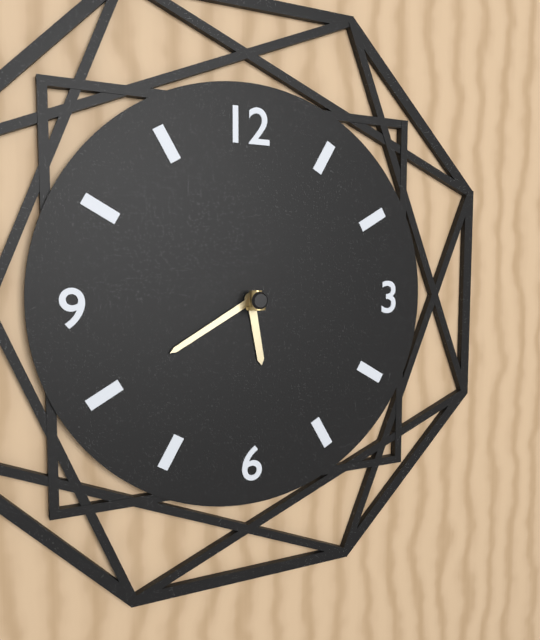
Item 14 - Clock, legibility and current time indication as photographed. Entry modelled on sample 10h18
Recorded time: 5h40
